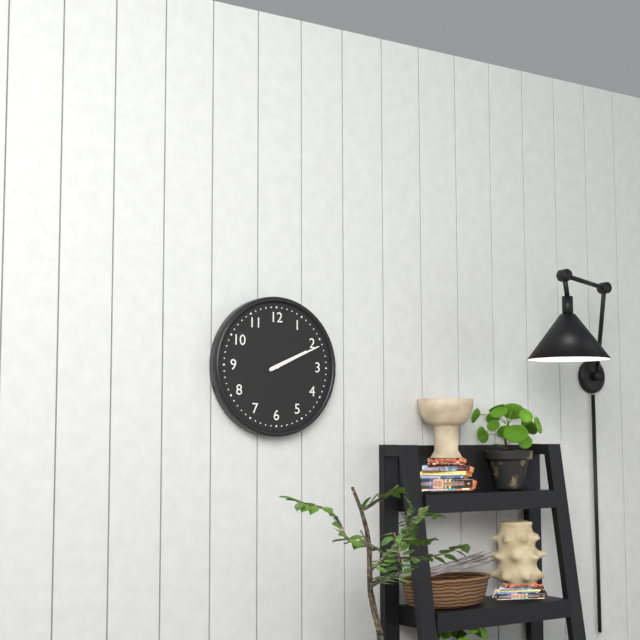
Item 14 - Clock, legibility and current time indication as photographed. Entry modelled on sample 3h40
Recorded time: 2h11
